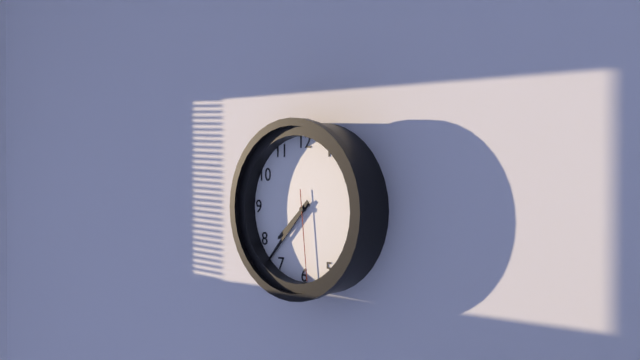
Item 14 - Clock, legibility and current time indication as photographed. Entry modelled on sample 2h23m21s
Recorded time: 7h37m29s
